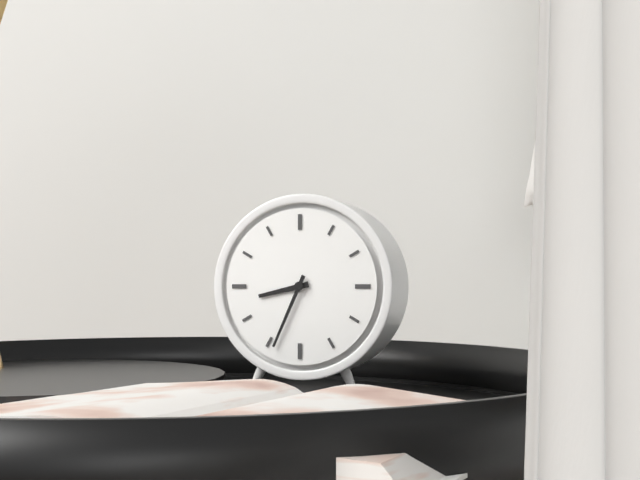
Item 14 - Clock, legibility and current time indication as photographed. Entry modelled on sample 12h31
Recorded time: 8h34
